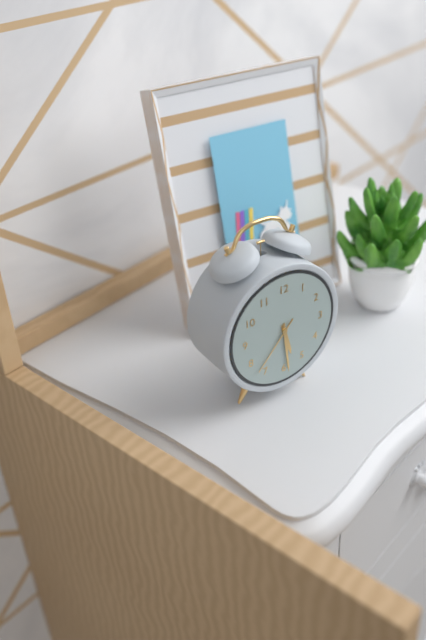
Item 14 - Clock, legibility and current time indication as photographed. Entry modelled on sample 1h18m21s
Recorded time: 5h29m37s
